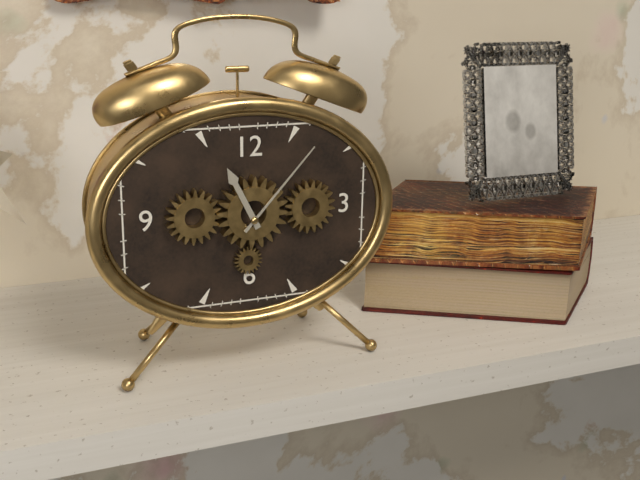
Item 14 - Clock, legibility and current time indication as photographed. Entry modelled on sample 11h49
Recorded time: 11h07
